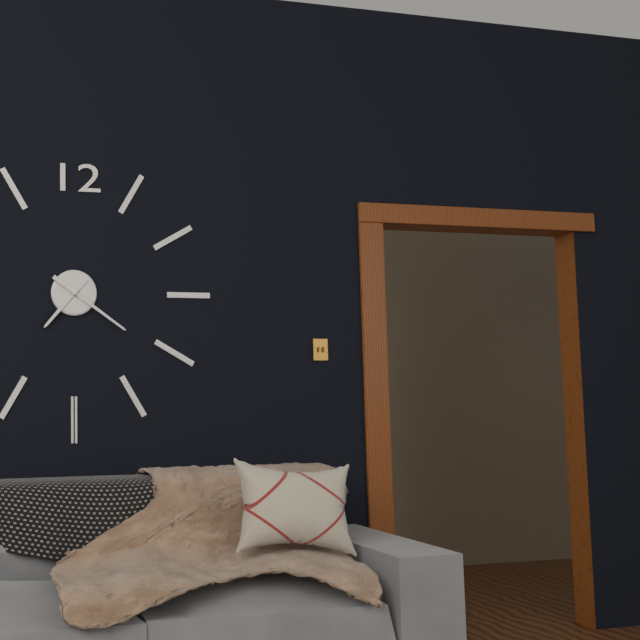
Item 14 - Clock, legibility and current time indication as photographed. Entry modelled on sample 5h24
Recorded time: 7h21
